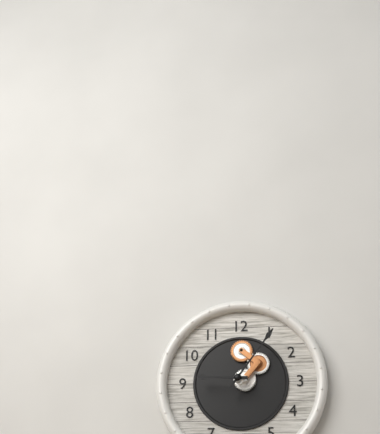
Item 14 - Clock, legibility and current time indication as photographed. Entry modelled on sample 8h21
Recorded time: 9h06
